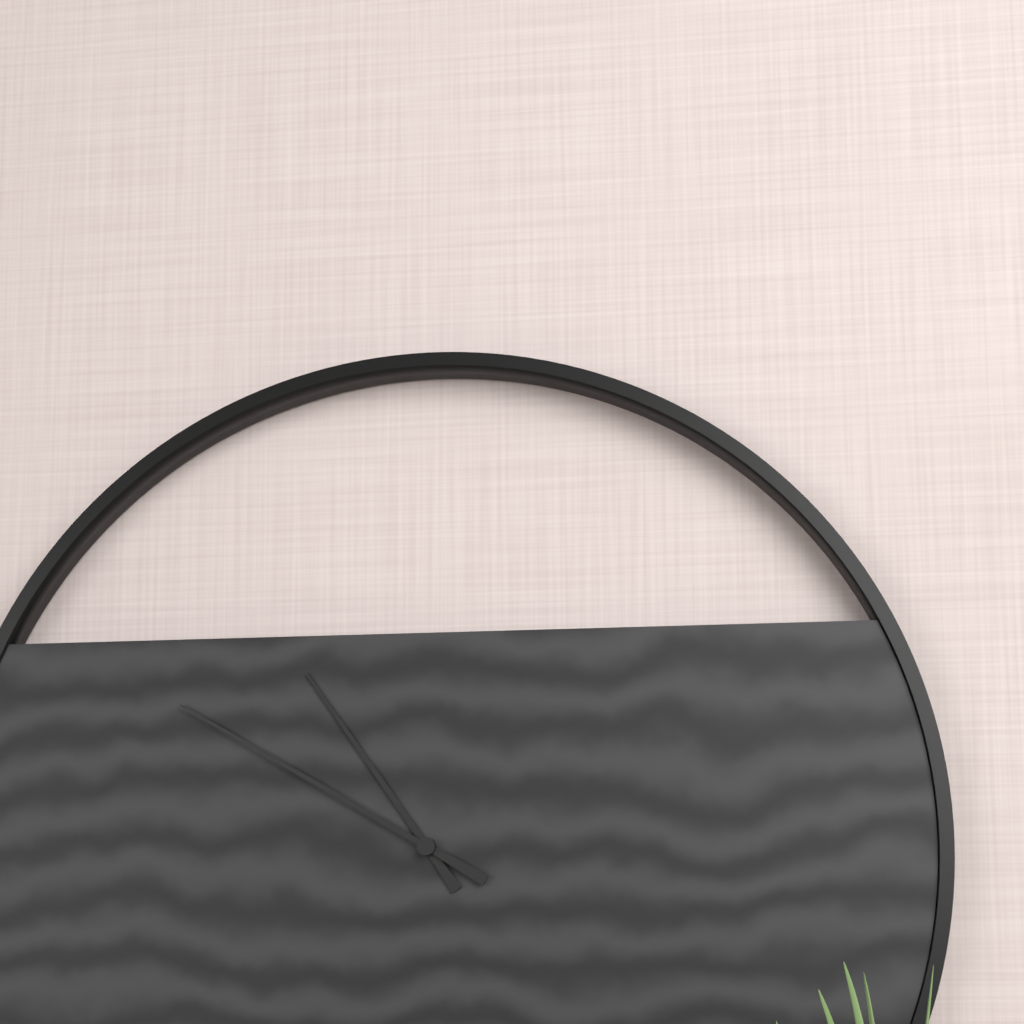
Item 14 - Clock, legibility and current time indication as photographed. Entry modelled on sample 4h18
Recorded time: 10h50
